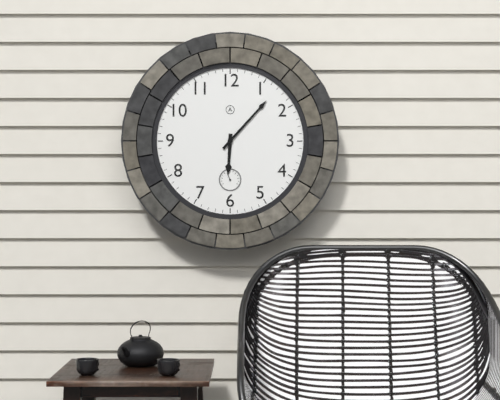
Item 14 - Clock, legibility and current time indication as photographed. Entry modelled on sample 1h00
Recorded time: 6h07
